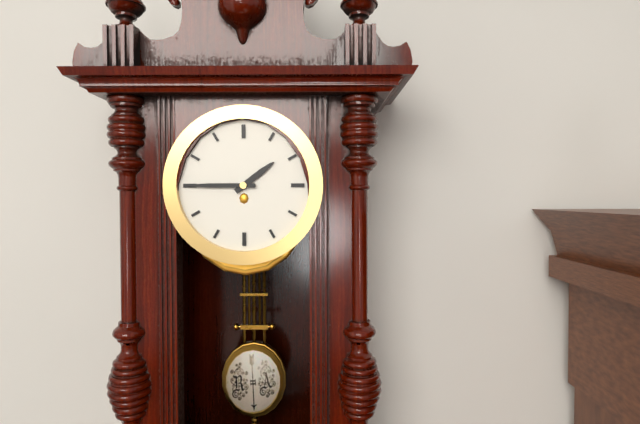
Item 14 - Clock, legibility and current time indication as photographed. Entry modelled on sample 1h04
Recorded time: 1h45
